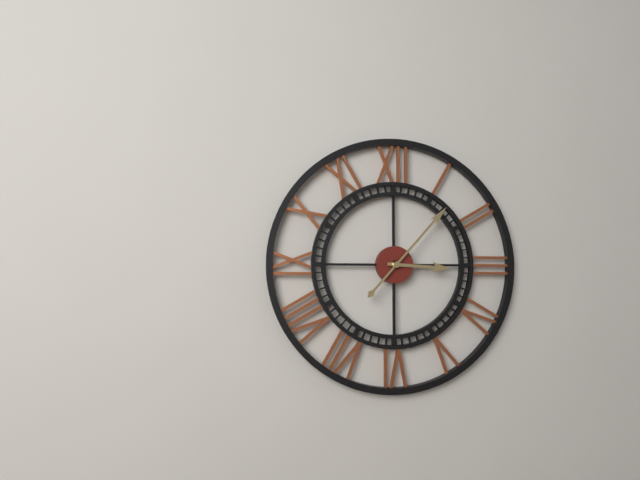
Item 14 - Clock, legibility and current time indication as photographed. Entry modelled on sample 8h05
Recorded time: 3h07
